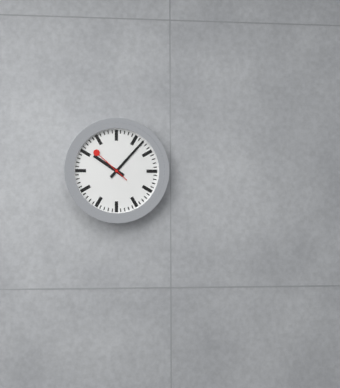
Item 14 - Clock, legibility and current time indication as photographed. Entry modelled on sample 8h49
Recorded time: 10h07
